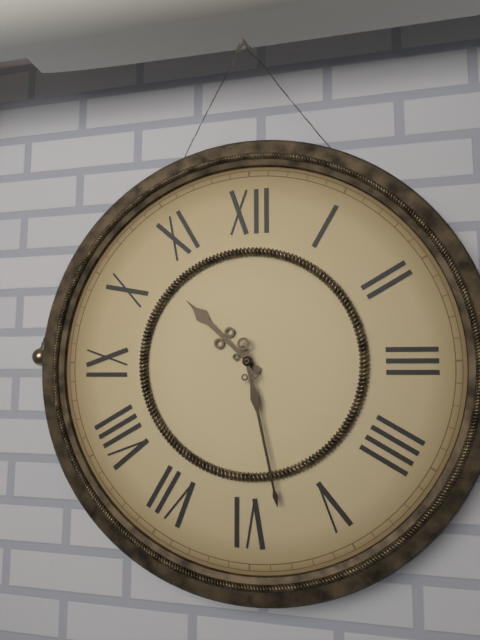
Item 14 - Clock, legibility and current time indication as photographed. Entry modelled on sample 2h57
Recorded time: 10h28
